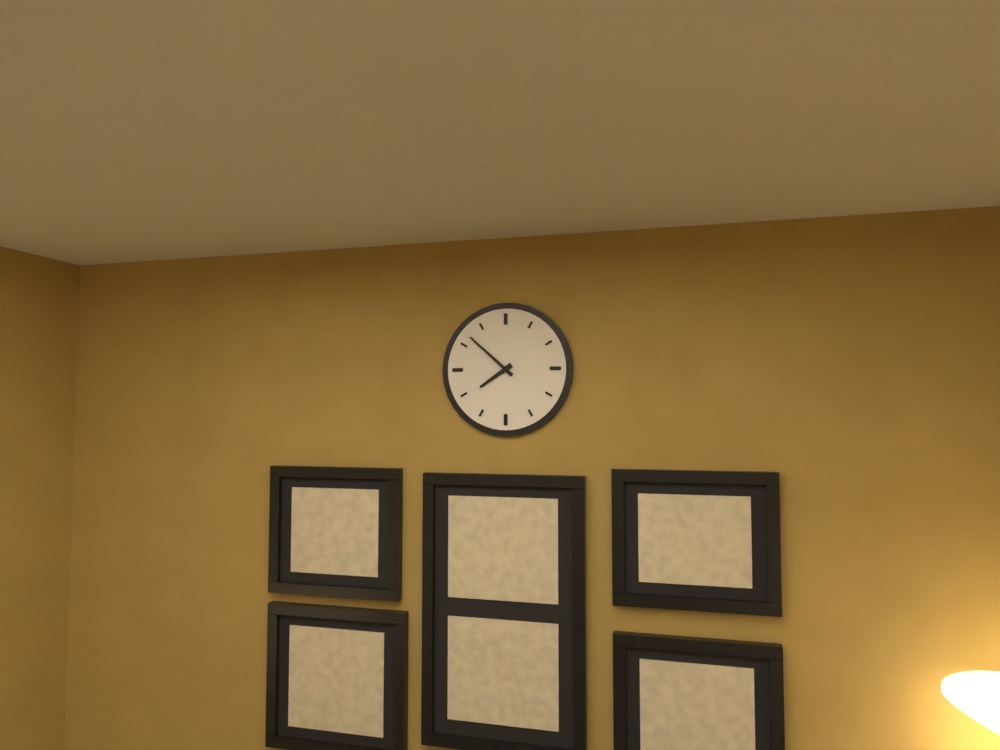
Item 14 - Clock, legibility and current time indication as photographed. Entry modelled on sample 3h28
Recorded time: 7h52
